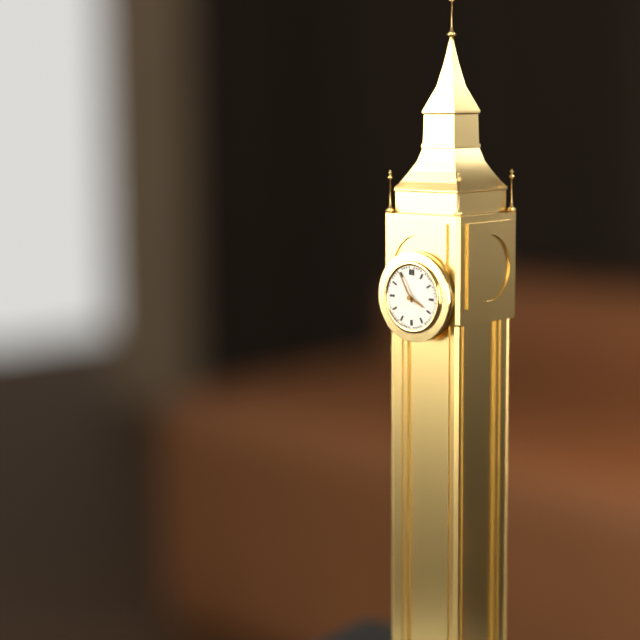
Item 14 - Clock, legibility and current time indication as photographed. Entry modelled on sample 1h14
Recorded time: 3h55
